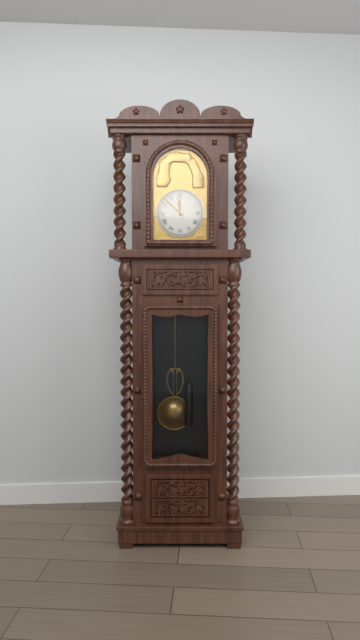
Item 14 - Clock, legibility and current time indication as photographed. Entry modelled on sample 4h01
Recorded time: 11h52
